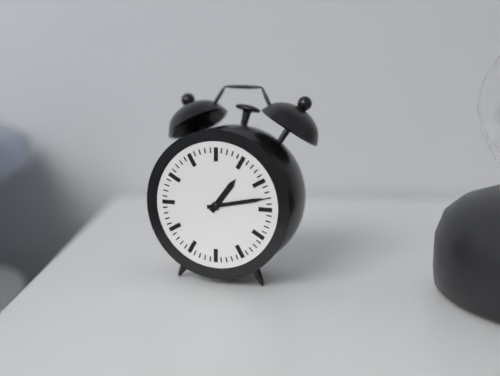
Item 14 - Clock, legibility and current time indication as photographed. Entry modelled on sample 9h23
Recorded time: 1h13
